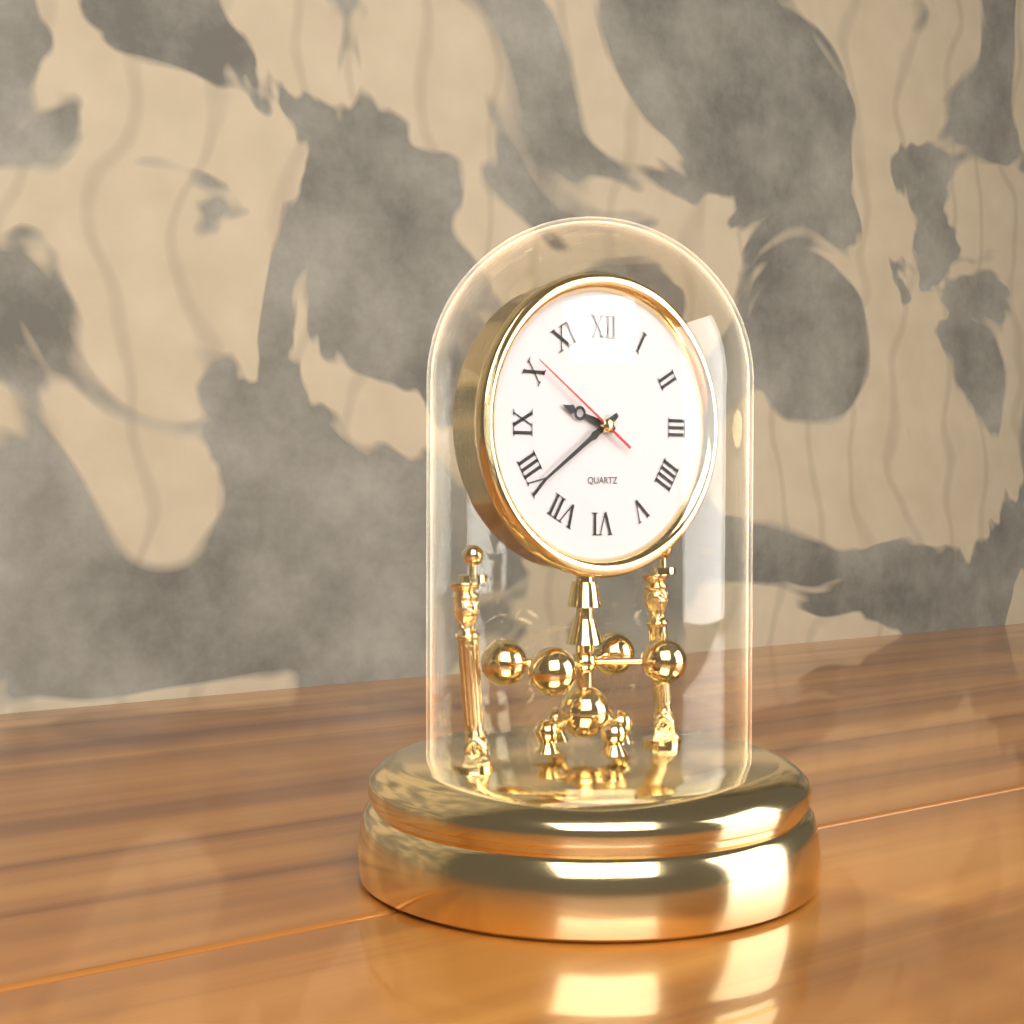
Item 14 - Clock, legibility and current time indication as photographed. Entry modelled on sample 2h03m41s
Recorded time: 9h39m51s
